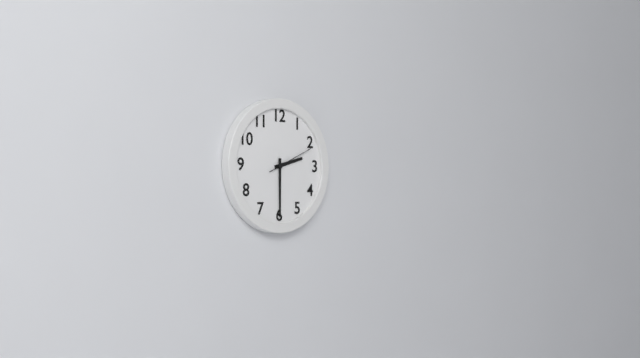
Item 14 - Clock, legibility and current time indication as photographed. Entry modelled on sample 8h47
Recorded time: 2h30
